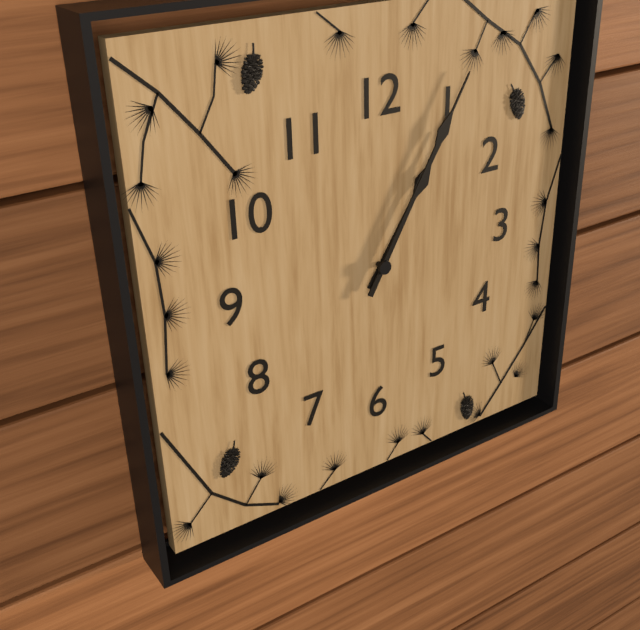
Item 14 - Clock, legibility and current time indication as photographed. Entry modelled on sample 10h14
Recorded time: 1h05
